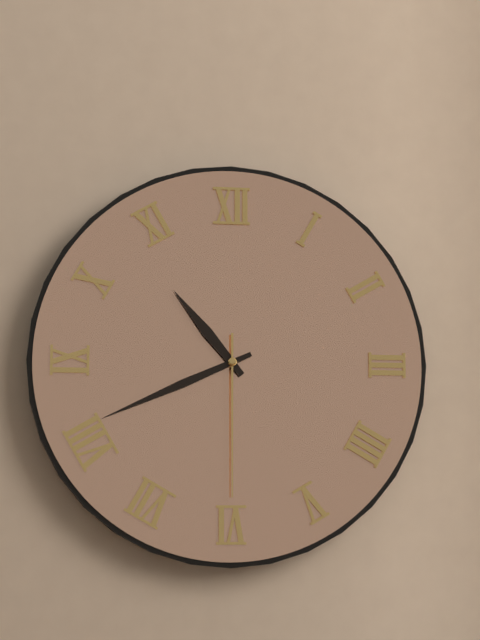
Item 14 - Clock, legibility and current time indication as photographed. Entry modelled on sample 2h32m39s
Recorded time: 10h41m30s
